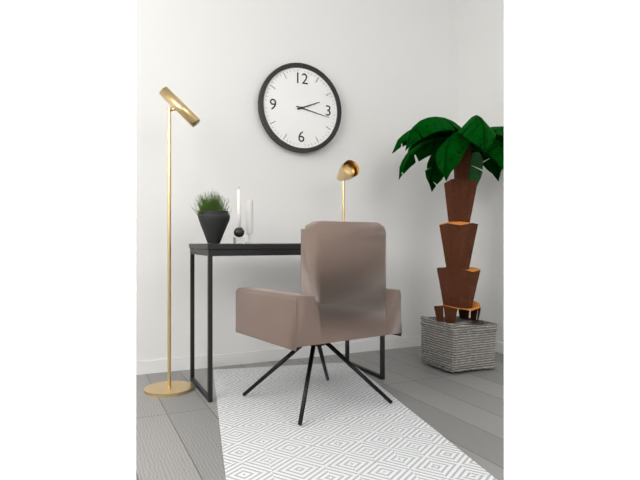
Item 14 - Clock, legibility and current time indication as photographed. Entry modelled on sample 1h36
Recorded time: 2h17
